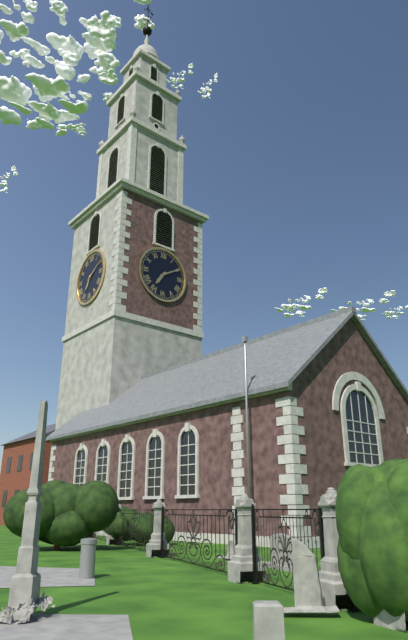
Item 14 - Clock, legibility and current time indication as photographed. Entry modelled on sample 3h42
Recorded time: 7h10
